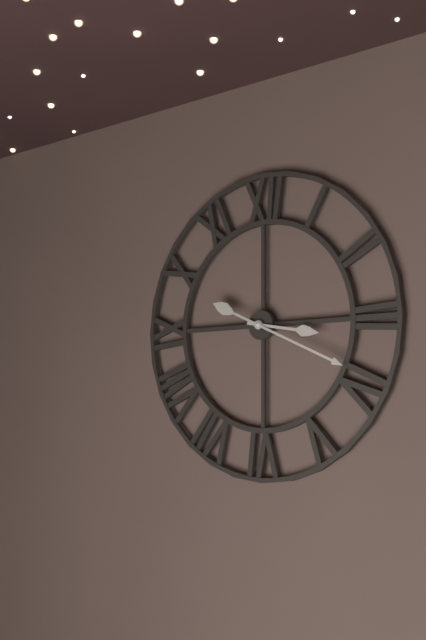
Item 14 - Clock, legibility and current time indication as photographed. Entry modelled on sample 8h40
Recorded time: 3h19
